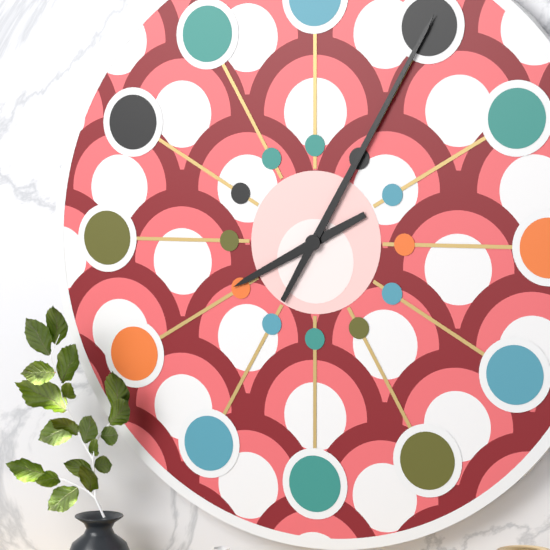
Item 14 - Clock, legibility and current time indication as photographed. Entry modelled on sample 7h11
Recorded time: 8h05
